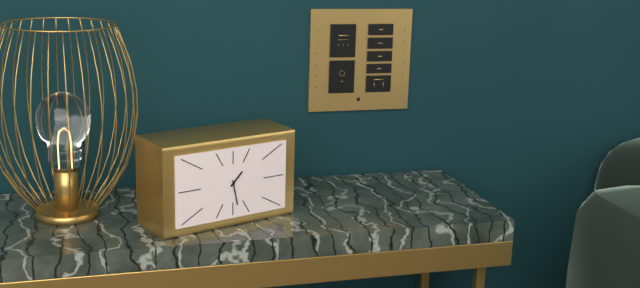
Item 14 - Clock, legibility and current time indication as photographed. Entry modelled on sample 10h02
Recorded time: 1h28
